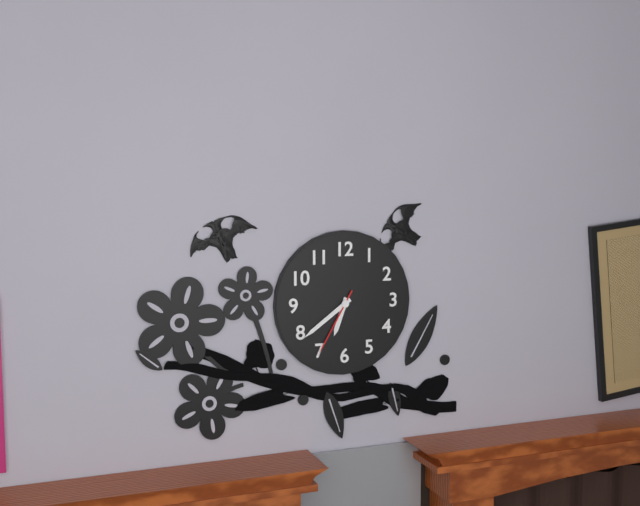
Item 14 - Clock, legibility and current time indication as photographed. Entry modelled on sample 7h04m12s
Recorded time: 6h39m35s
